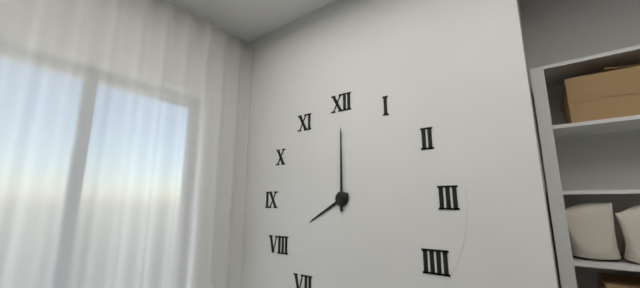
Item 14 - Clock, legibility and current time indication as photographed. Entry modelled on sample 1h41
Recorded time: 8h00
